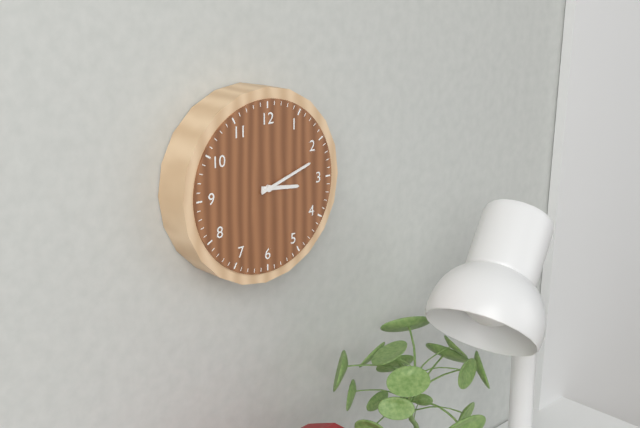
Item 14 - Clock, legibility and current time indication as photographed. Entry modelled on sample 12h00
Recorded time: 3h12
